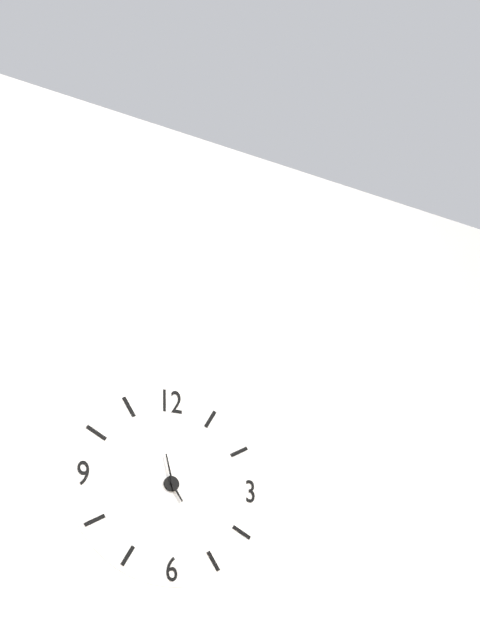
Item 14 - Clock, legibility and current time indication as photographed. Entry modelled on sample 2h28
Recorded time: 4h58
